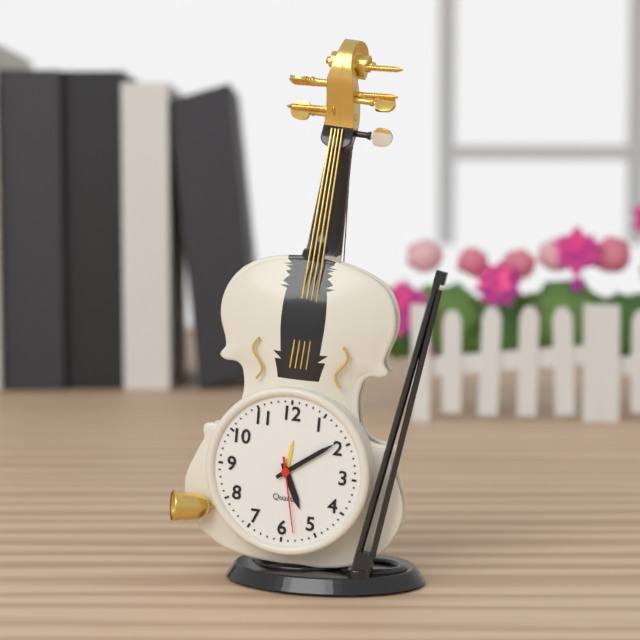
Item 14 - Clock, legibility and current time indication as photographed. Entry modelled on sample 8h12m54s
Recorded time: 5h09m28s
